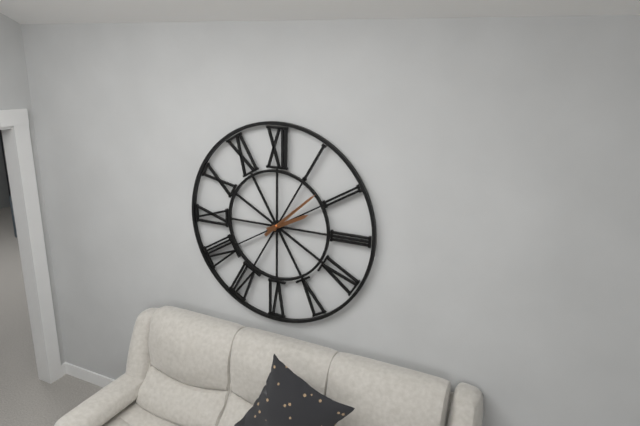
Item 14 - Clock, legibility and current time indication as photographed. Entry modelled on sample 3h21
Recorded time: 2h08
